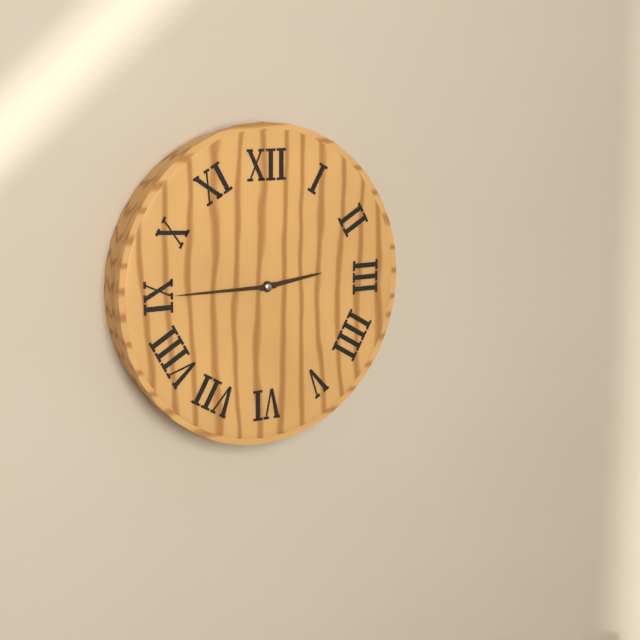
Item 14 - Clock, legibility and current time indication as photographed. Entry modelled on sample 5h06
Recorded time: 2h45
